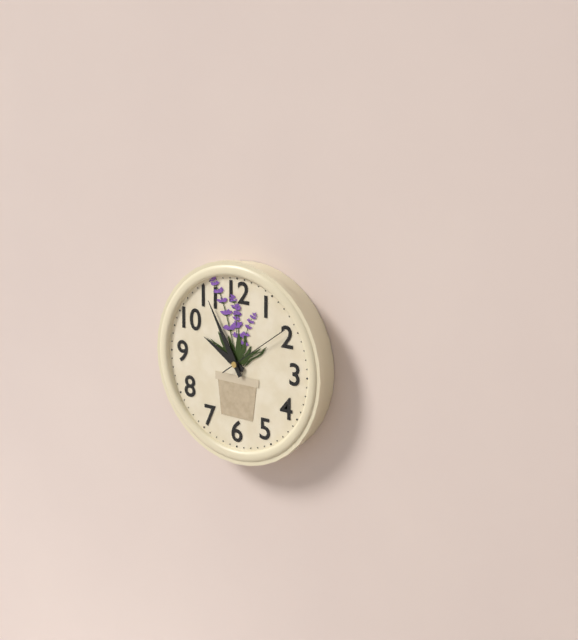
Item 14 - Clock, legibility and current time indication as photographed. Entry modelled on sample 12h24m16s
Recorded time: 9h55m09s
